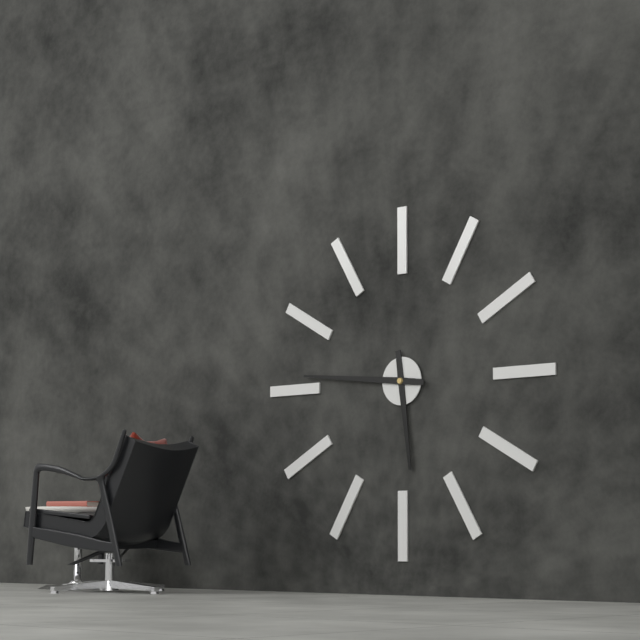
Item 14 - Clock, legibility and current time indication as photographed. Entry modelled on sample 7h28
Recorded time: 5h46
